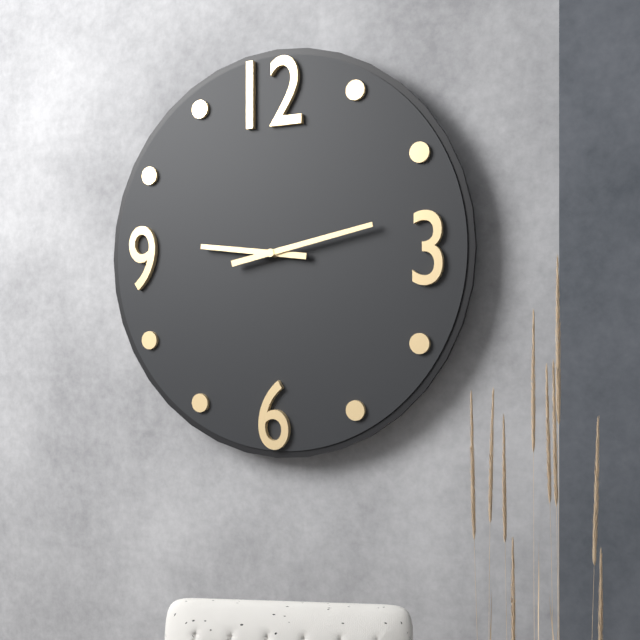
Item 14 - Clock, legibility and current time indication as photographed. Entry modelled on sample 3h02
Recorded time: 9h13
